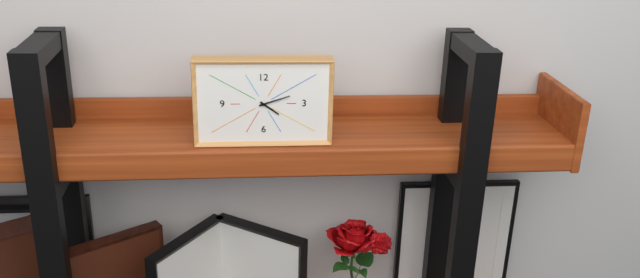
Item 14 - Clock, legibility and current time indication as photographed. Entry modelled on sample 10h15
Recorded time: 4h12
